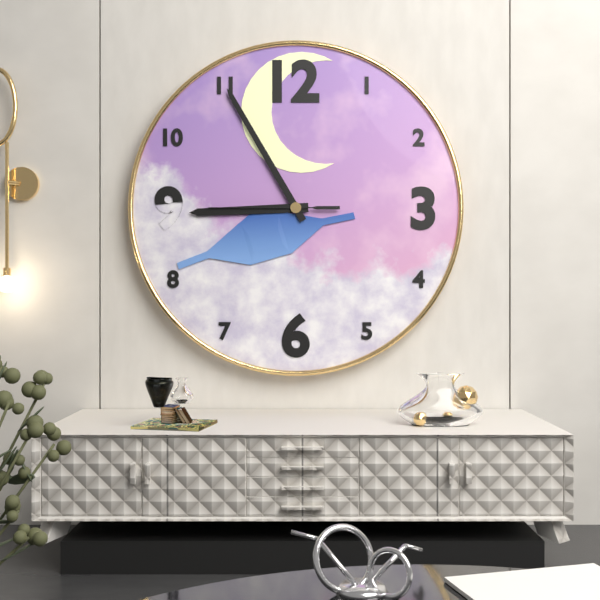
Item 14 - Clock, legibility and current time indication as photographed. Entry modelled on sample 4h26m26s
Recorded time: 8h55m45s
